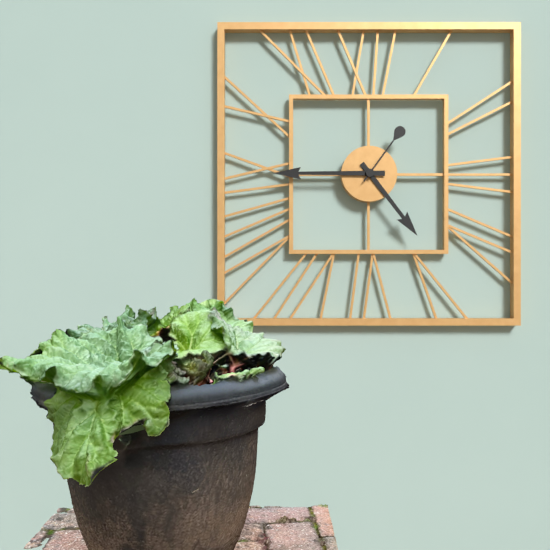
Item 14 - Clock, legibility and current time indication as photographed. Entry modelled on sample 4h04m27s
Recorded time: 4h45m06s
